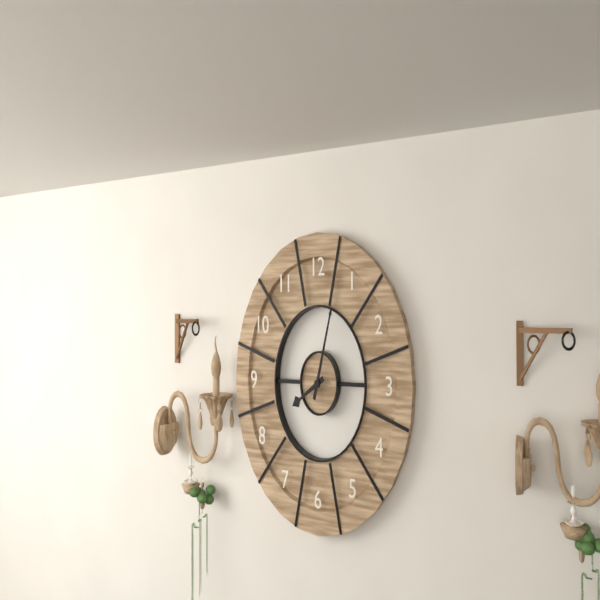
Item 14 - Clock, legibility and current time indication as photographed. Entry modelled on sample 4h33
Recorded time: 8h03
